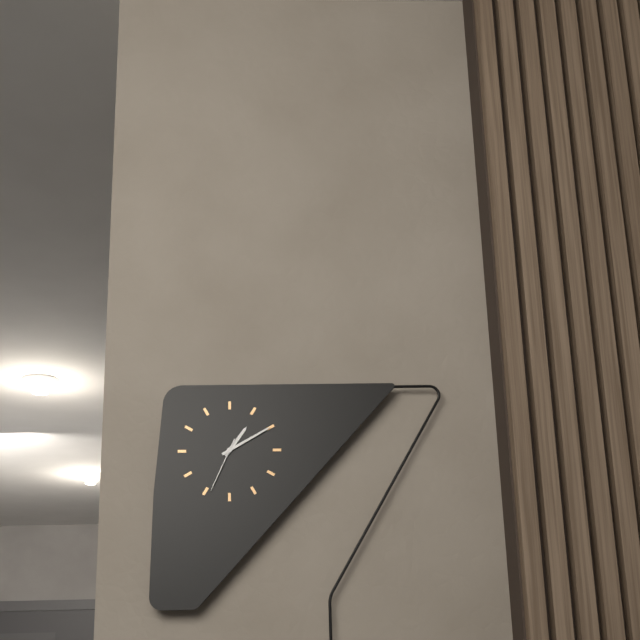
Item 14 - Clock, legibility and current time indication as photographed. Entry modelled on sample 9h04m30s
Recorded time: 1h10m34s
